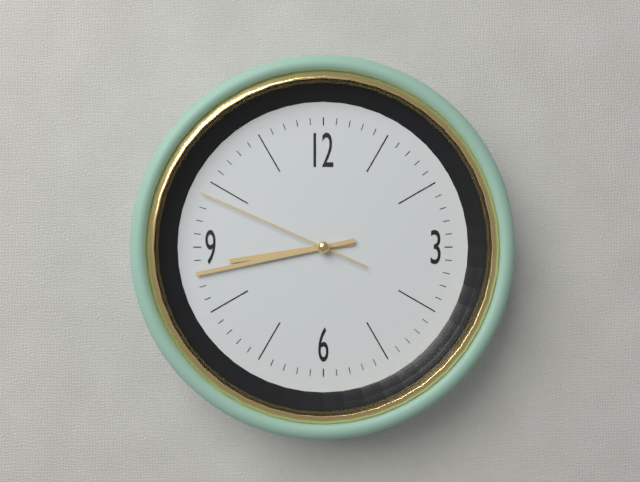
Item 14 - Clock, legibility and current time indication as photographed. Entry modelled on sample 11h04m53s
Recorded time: 8h43m49s
